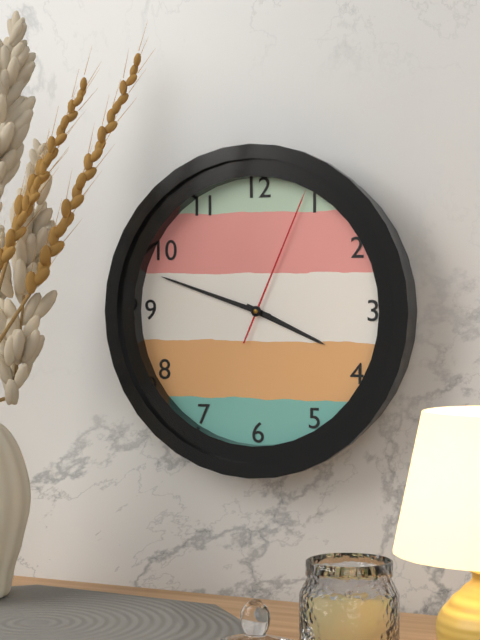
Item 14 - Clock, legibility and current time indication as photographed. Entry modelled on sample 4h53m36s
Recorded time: 3h48m04s
